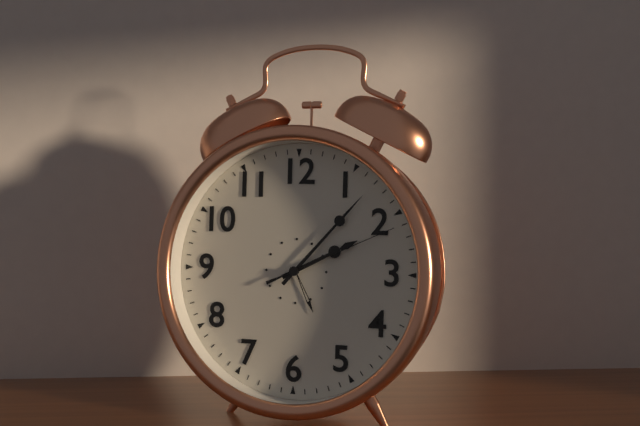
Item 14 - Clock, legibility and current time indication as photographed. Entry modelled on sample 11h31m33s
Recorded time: 2h07m11s
